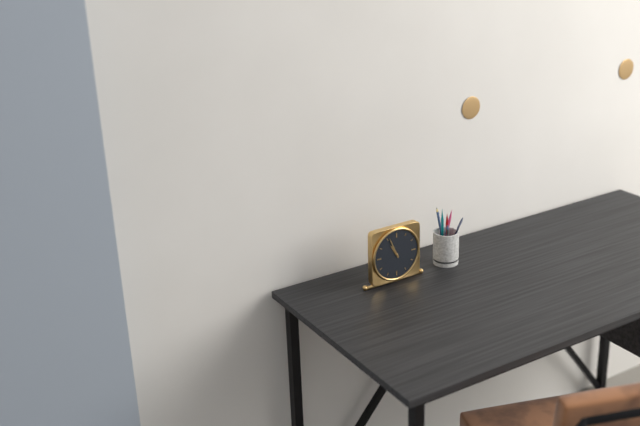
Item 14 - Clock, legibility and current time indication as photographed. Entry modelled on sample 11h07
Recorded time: 10h56
